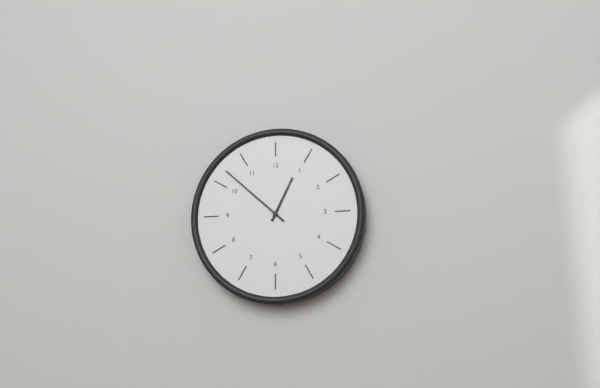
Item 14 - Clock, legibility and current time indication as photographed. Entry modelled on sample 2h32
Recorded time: 12h52
